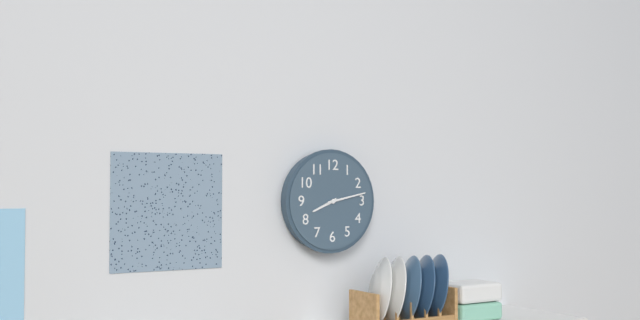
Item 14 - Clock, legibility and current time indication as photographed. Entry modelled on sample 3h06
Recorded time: 8h13
